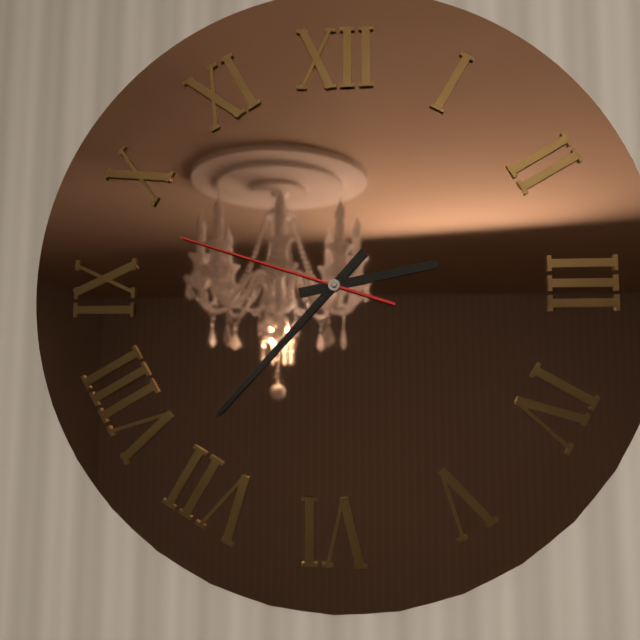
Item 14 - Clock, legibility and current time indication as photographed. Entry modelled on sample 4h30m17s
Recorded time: 2h37m48s
